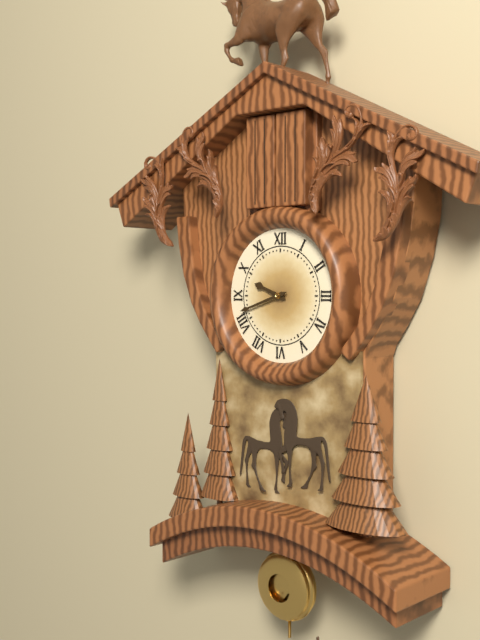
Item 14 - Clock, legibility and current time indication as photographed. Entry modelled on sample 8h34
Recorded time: 9h42
